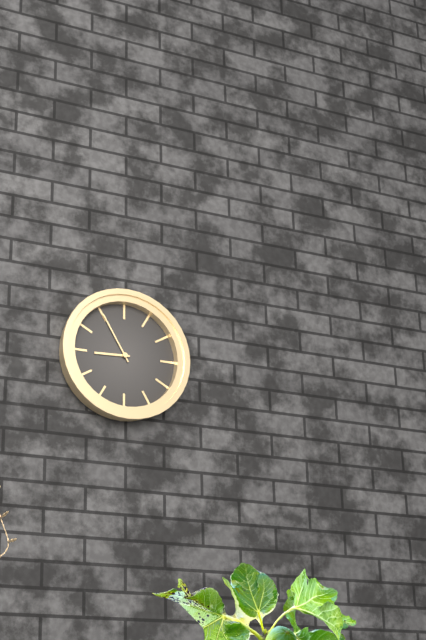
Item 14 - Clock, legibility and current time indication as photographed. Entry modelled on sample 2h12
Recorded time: 8h55
